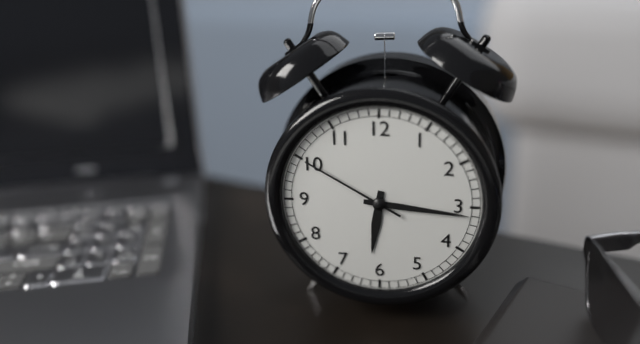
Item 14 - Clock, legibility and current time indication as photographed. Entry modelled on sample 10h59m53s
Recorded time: 6h16m50s
